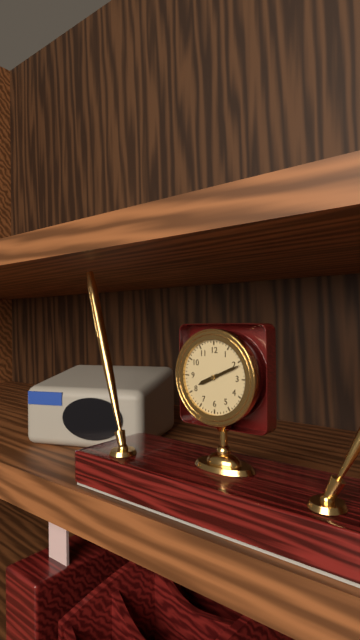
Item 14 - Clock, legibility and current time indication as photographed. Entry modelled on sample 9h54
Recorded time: 8h11
